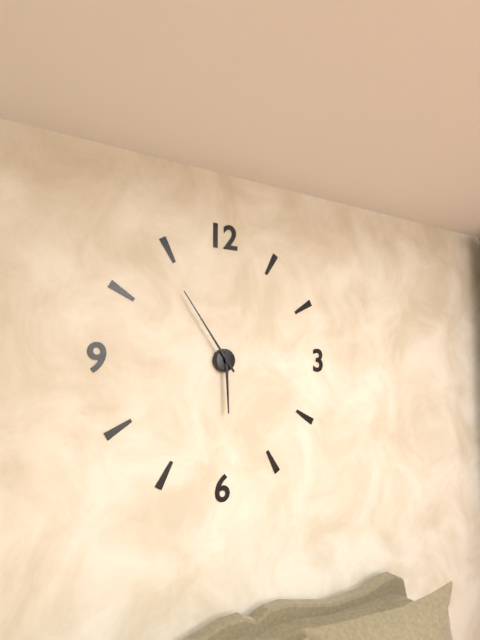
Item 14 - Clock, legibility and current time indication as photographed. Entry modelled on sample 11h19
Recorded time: 5h54
